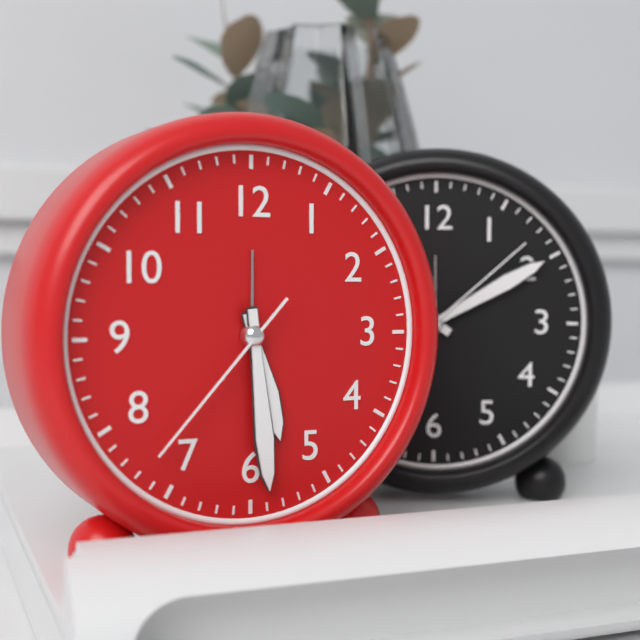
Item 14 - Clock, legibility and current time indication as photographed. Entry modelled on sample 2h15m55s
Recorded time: 5h29m37s
